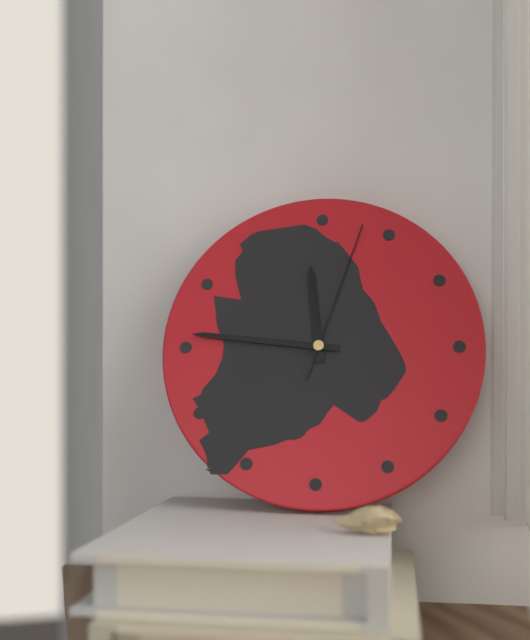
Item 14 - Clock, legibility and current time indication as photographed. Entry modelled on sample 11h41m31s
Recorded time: 11h46m03s
